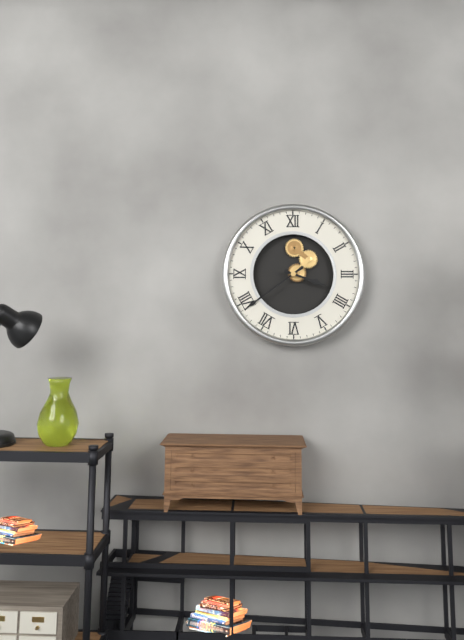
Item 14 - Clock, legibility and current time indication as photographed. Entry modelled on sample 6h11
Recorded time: 3h39
